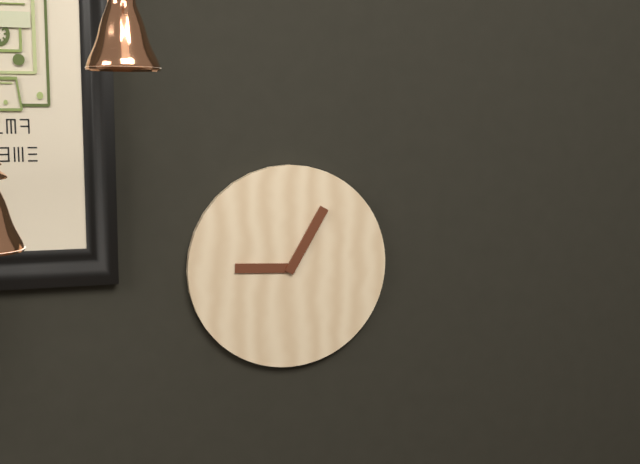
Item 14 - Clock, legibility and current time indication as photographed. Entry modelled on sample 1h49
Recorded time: 9h05
